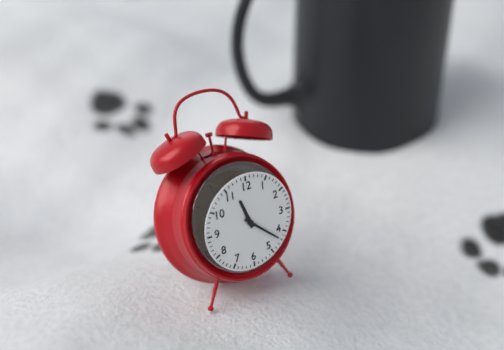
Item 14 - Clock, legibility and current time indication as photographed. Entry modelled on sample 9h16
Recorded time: 11h22
